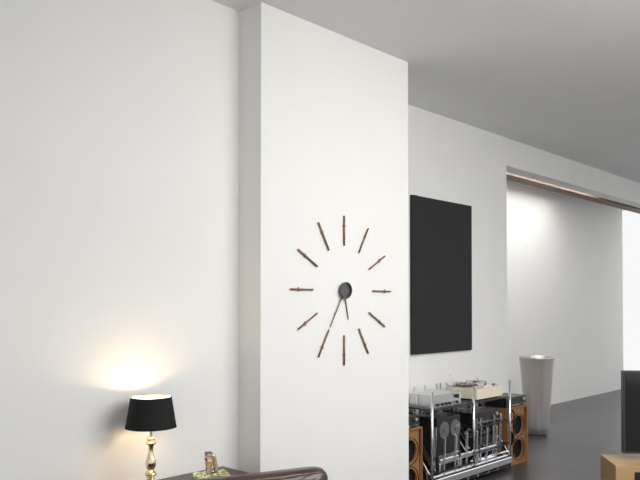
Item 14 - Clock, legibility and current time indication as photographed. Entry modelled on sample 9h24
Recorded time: 5h35
